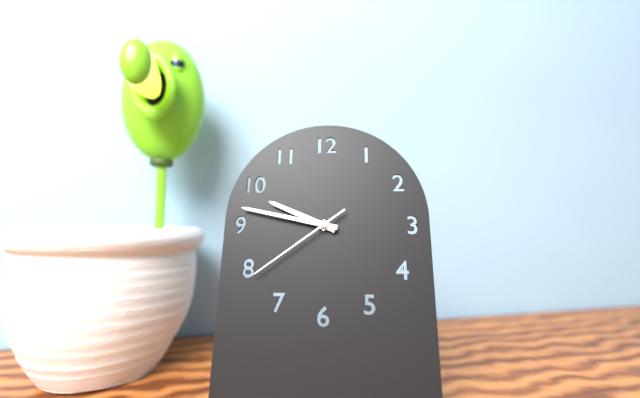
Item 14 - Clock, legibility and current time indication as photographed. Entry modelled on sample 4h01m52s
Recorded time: 9h47m39s
